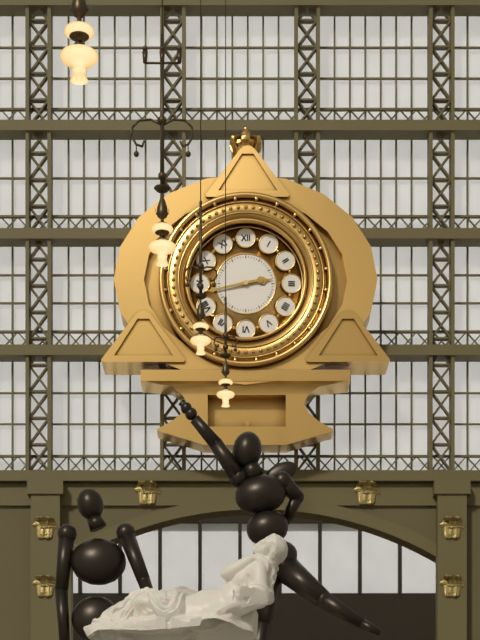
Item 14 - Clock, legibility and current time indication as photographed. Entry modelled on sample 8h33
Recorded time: 2h43
